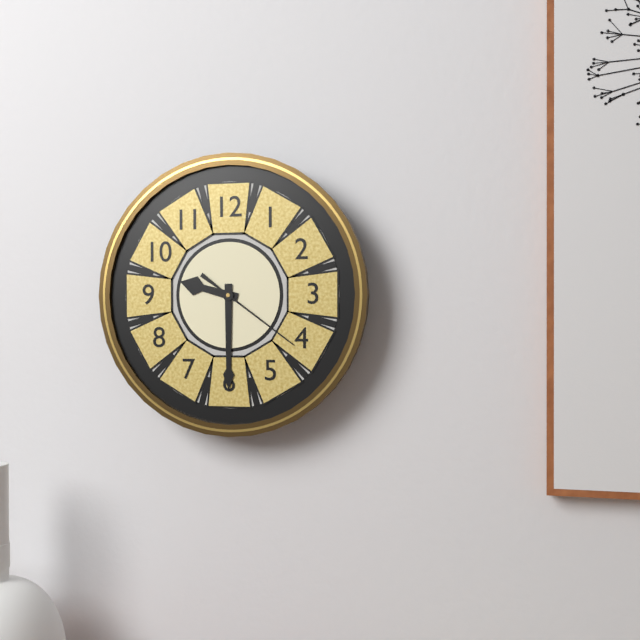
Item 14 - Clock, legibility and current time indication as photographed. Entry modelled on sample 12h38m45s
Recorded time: 9h30m21s
